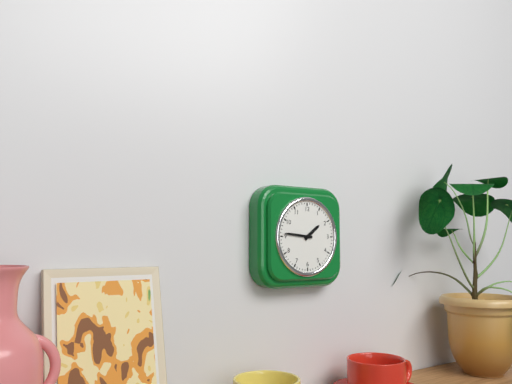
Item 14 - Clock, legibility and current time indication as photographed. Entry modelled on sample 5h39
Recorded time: 1h46
